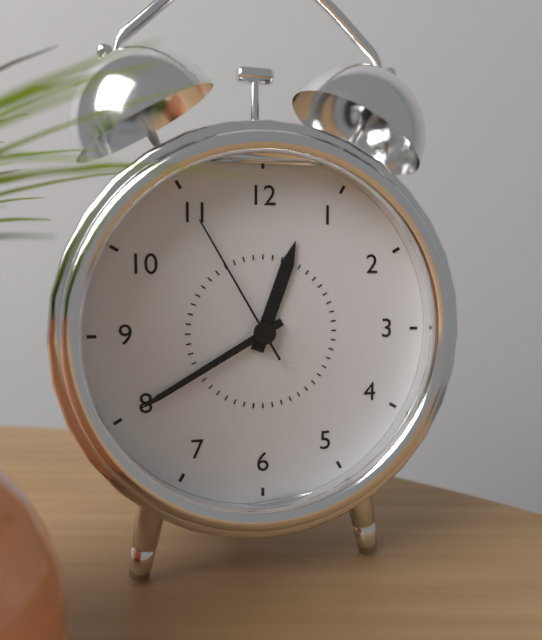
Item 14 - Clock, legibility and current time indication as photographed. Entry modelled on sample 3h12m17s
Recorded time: 12h40m55s
